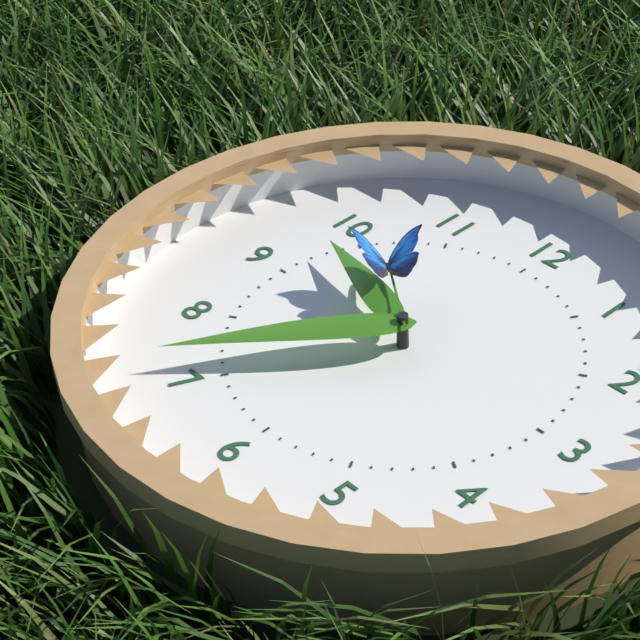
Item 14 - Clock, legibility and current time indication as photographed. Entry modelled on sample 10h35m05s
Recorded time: 9h36m51s
